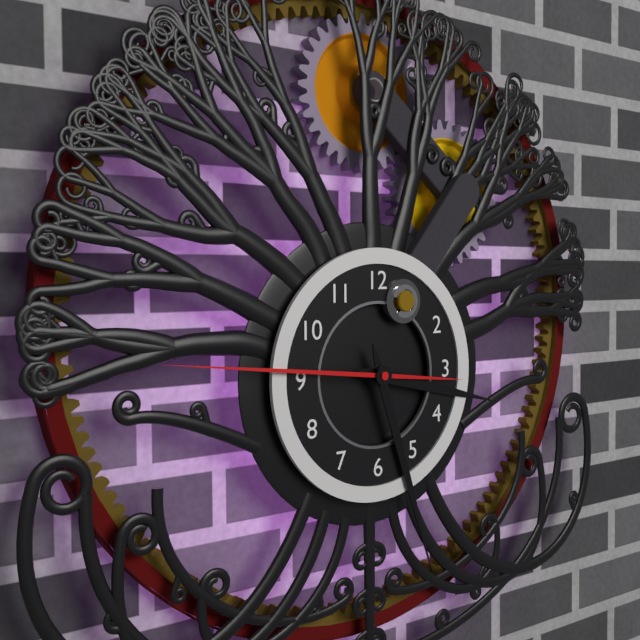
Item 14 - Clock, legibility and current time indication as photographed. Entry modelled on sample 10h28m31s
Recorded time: 3h27m46s
